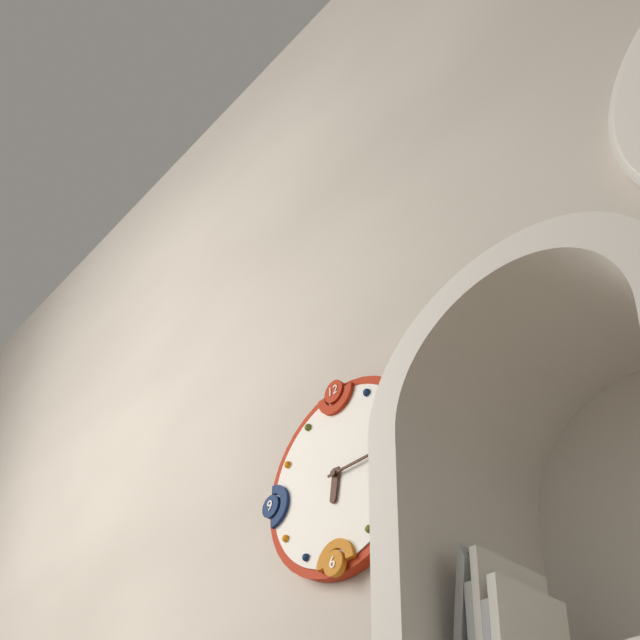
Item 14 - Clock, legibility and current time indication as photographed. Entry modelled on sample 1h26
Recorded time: 6h15
